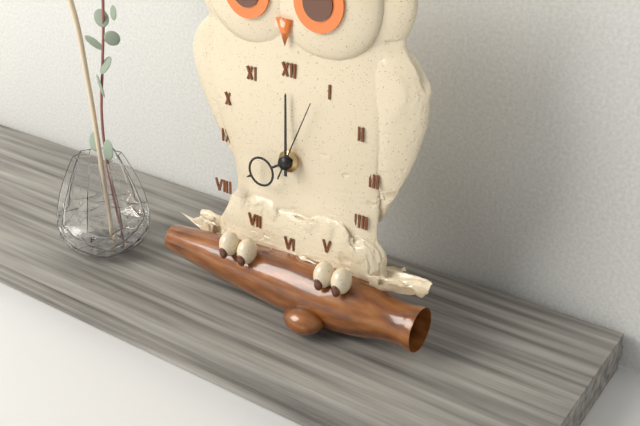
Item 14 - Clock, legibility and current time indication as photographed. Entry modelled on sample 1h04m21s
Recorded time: 8h00m04s
